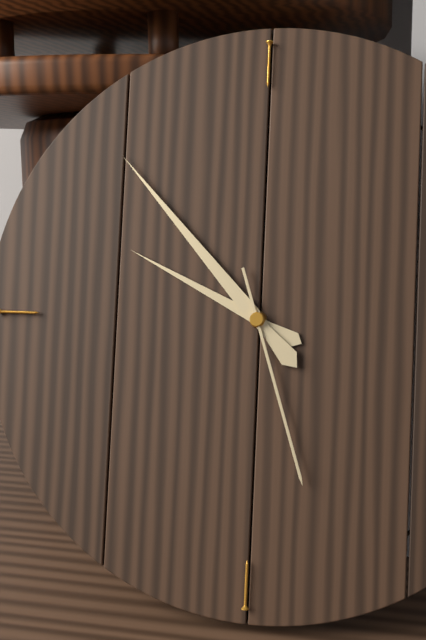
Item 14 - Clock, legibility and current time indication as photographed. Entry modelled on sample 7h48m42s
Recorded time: 9h53m27s
